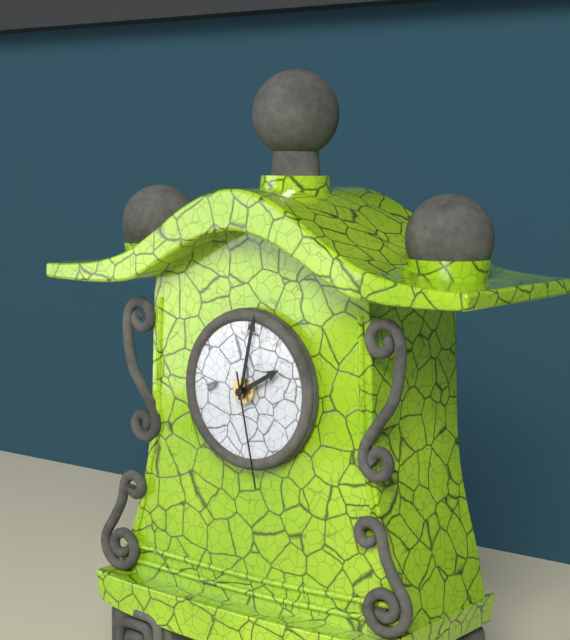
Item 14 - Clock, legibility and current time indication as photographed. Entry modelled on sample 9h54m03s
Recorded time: 2h02m28s
